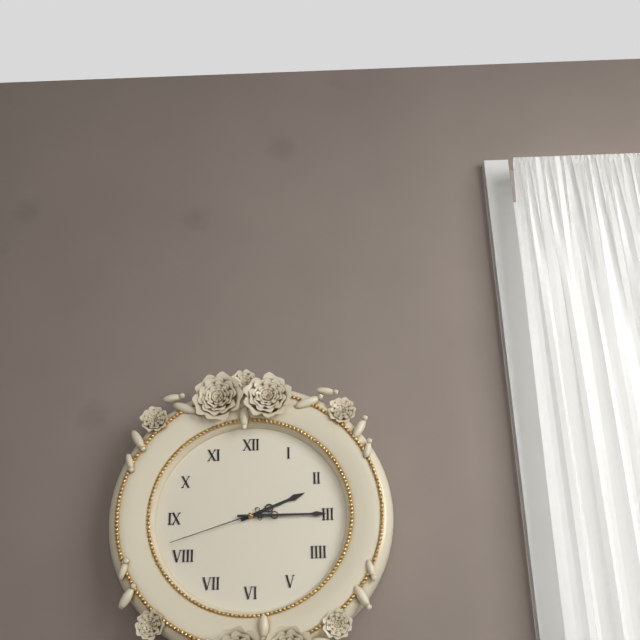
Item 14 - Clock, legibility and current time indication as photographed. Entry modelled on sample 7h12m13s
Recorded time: 2h15m42s
